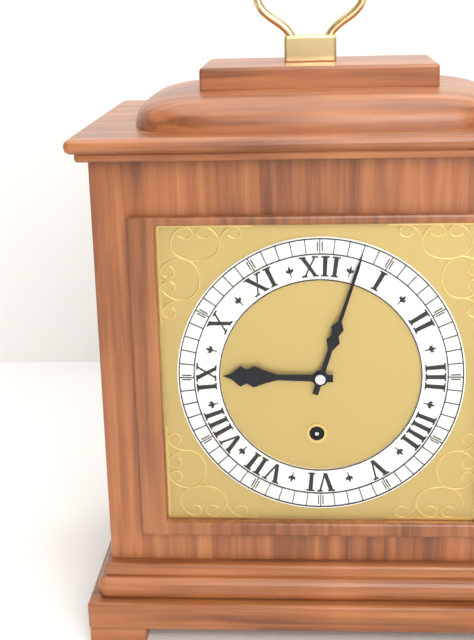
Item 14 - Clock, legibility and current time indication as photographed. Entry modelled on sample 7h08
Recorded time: 9h03
